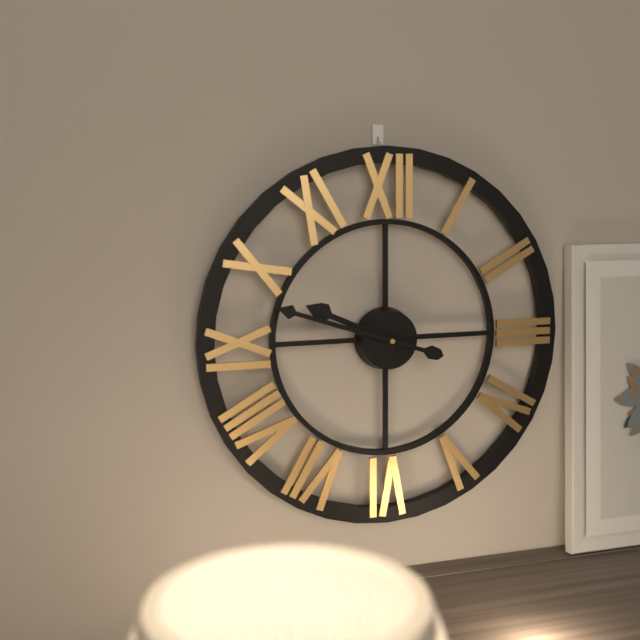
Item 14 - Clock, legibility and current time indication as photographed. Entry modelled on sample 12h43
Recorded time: 9h48
